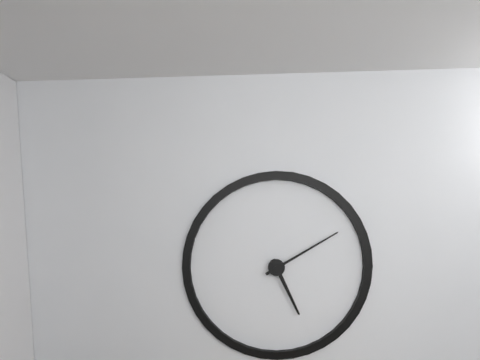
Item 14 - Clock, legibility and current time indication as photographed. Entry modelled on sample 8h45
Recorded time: 5h10
